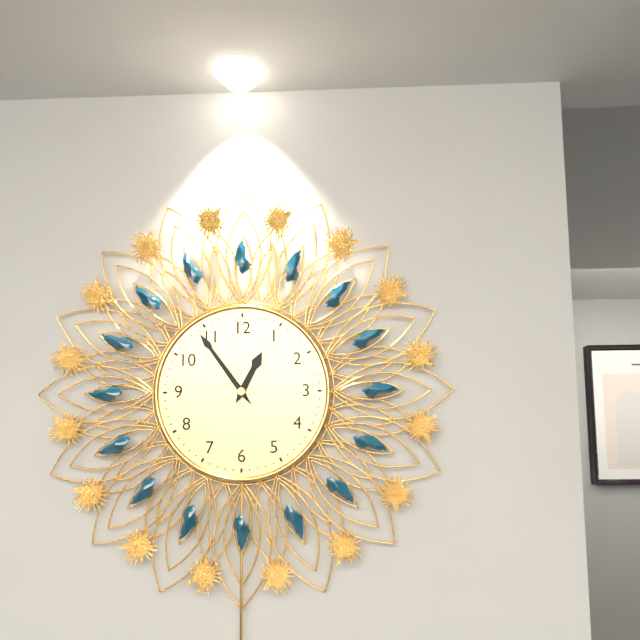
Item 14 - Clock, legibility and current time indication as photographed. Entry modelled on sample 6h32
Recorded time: 12h54
